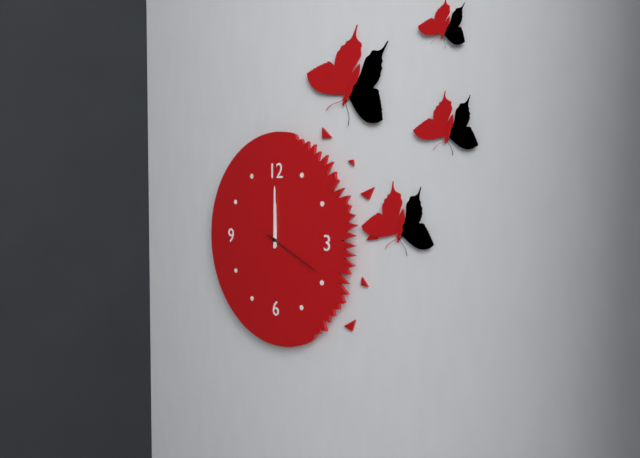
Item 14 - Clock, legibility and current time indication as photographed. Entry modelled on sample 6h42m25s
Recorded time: 12h00m19s
